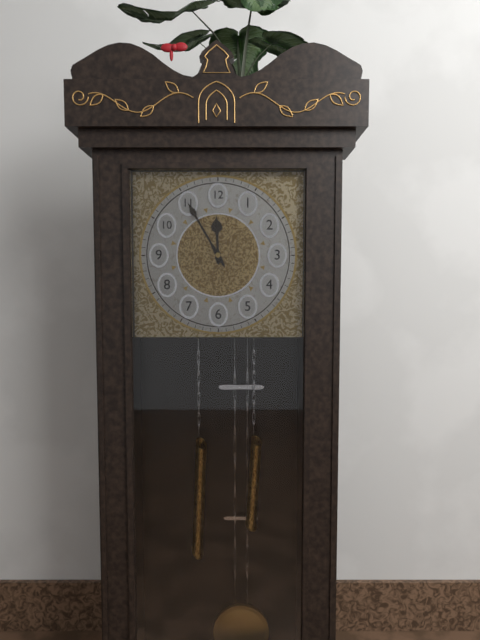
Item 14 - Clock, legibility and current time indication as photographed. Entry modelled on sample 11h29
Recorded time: 11h55
